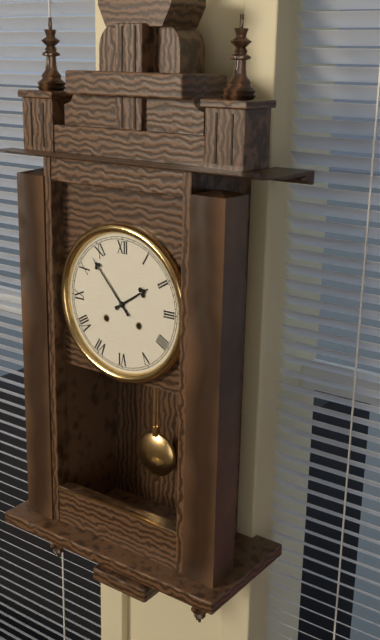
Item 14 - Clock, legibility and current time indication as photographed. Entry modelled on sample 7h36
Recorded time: 1h53
